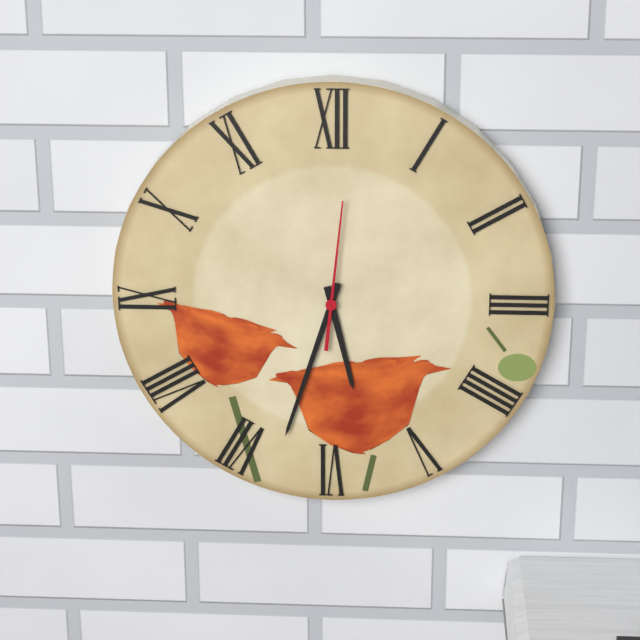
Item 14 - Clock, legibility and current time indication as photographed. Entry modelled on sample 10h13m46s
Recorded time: 5h33m01s
